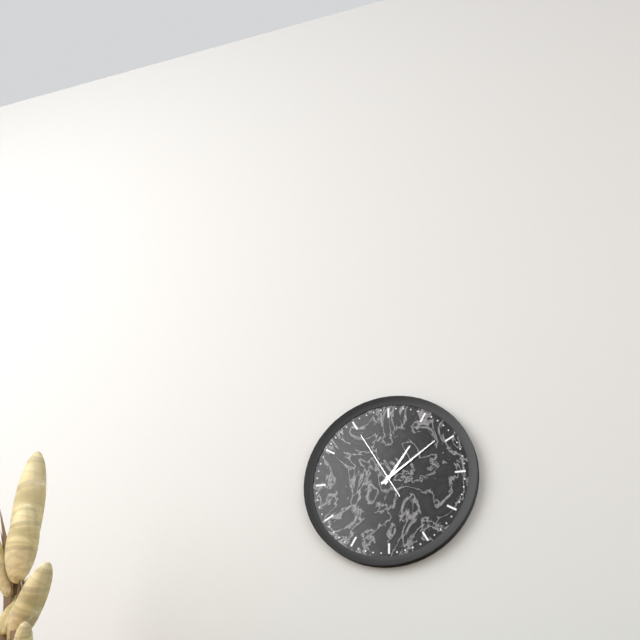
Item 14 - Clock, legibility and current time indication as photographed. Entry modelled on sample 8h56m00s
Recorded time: 1h09m55s
